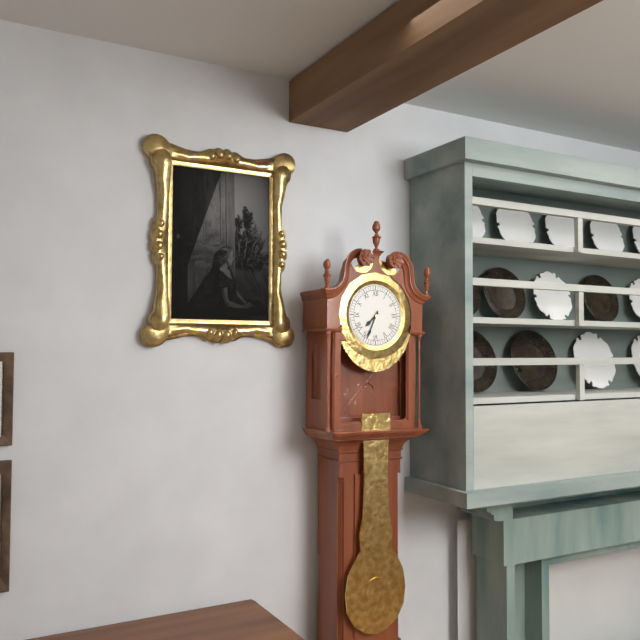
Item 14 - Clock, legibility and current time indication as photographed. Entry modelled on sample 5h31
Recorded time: 7h34
